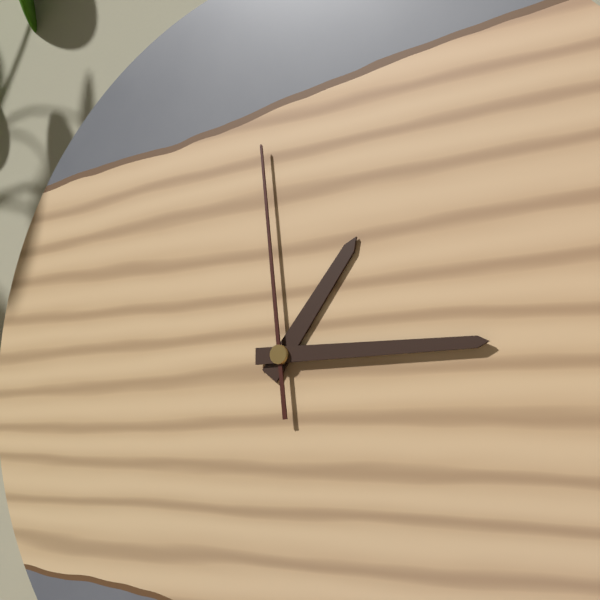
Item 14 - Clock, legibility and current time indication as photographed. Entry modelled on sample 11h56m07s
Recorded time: 1h15m59s
